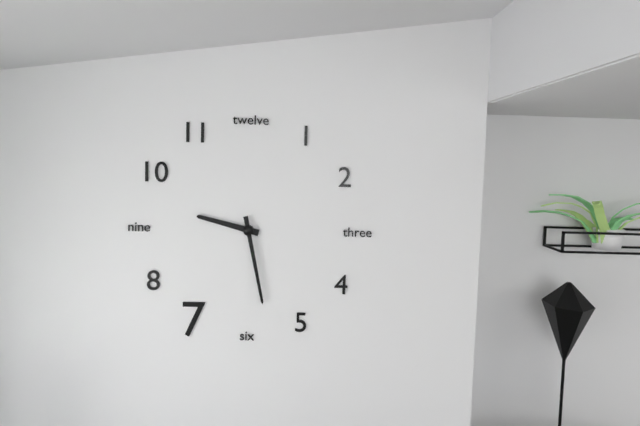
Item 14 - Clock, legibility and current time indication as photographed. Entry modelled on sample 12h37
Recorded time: 9h28
